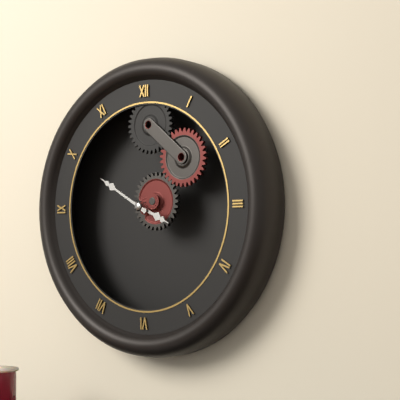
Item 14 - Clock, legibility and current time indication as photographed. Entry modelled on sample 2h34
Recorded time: 3h50
